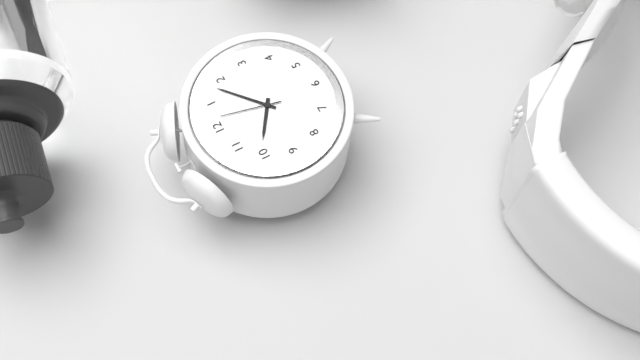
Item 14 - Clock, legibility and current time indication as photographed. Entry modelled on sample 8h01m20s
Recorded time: 10h08m02s
